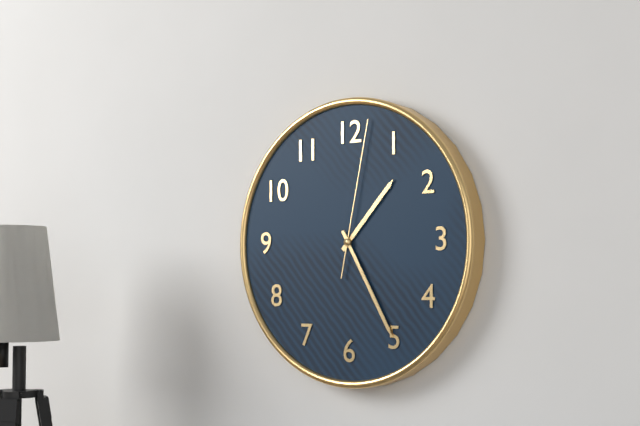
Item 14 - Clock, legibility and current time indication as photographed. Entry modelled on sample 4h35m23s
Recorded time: 1h25m02s
